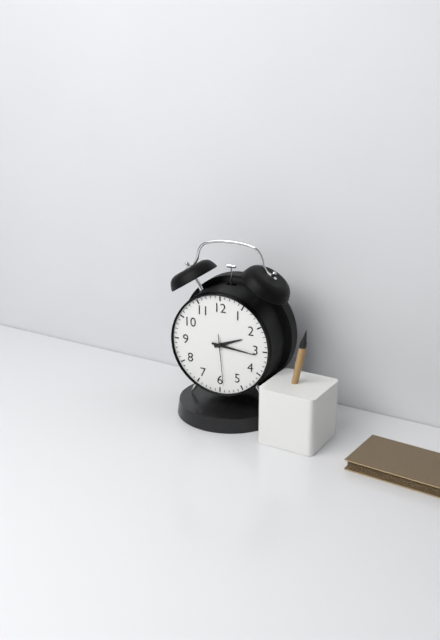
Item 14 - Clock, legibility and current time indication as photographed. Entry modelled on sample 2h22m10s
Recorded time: 2h16m29s
